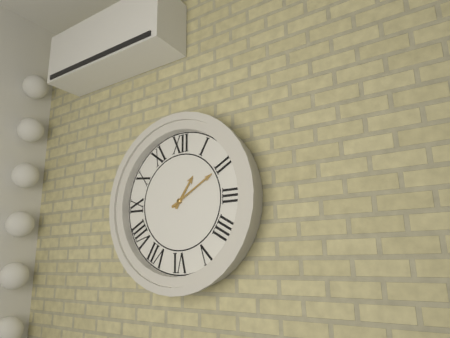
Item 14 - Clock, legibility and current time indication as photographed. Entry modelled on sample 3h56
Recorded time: 1h10
